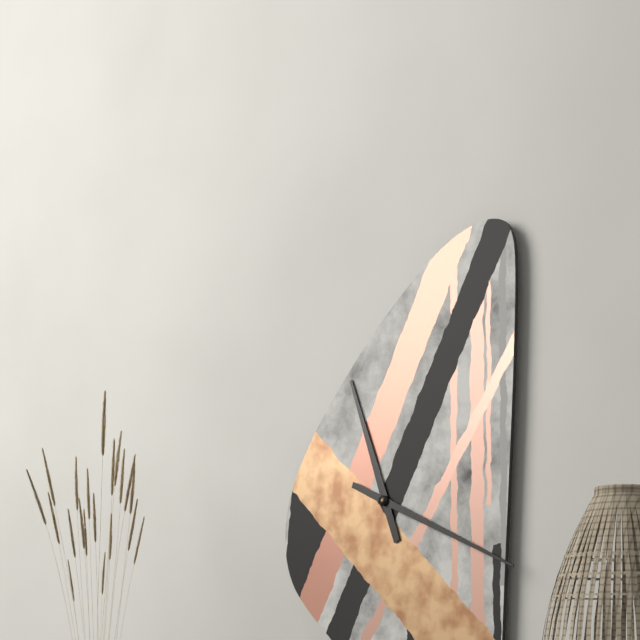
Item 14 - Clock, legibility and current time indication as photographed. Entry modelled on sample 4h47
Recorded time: 11h19
